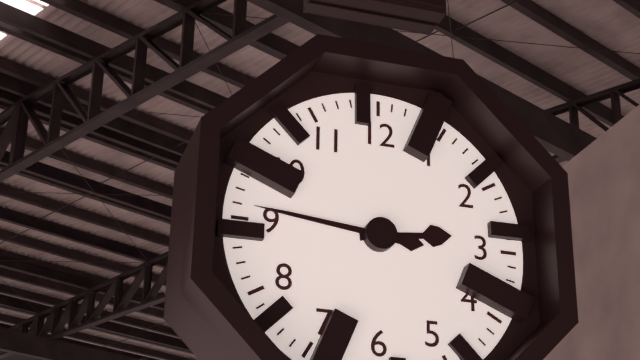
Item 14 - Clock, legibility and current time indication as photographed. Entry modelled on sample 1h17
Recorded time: 2h46
